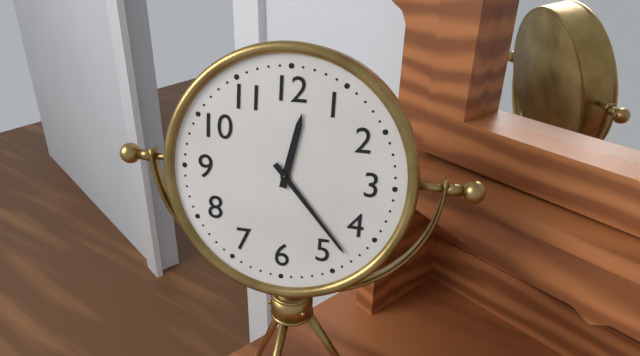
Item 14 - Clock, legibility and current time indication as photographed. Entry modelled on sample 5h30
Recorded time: 12h23
